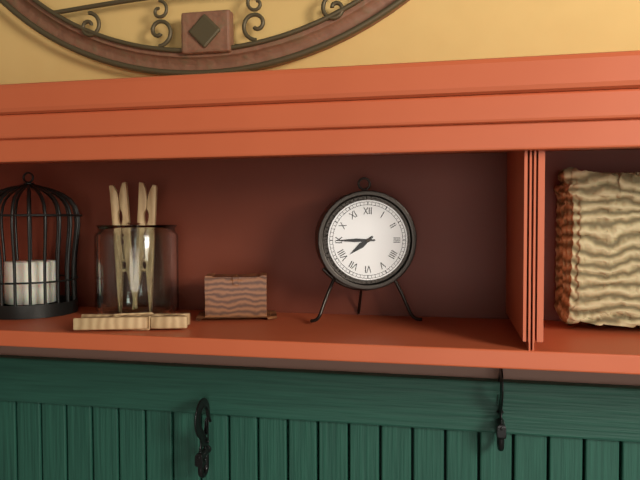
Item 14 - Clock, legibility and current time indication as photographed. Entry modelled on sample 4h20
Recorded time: 7h45
